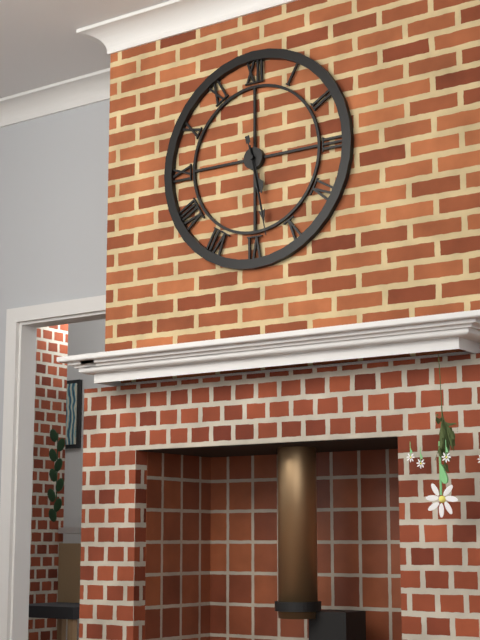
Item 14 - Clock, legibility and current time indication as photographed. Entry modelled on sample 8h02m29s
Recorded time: 5h28m28s
